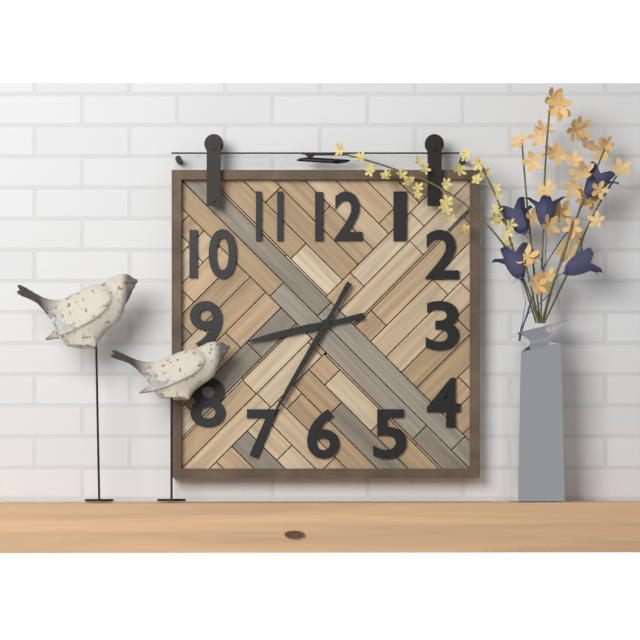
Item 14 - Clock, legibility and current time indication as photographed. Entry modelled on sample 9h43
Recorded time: 8h35
